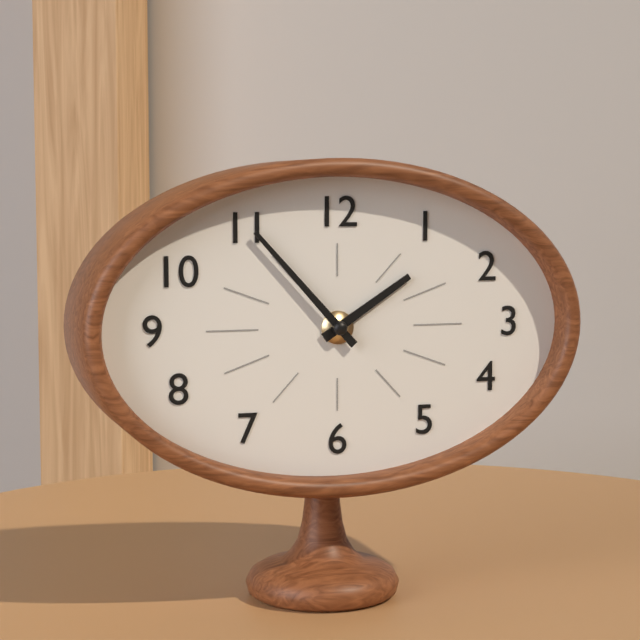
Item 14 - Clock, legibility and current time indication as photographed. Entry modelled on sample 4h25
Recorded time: 1h53
